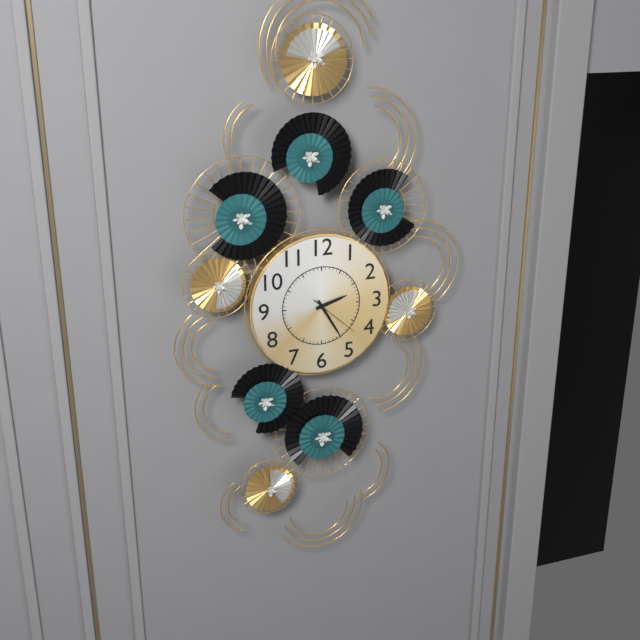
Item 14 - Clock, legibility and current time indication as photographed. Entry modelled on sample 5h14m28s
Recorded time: 2h25m22s
